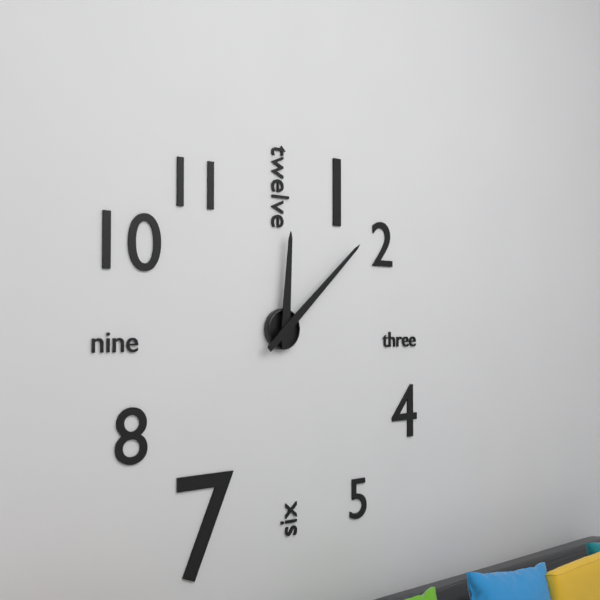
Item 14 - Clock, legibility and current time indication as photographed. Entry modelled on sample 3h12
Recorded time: 12h08
